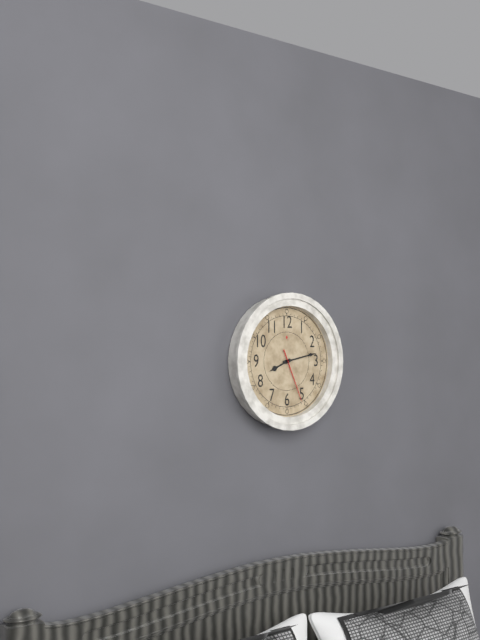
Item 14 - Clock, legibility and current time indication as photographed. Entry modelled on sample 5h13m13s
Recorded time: 8h13m26s
